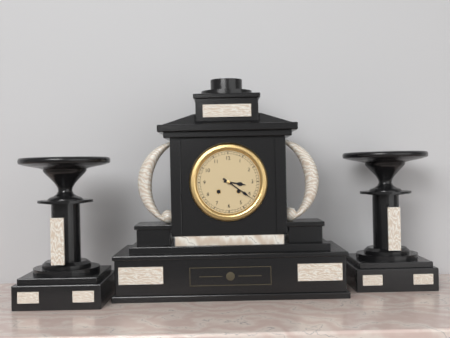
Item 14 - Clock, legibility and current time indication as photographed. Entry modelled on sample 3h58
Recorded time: 3h21
